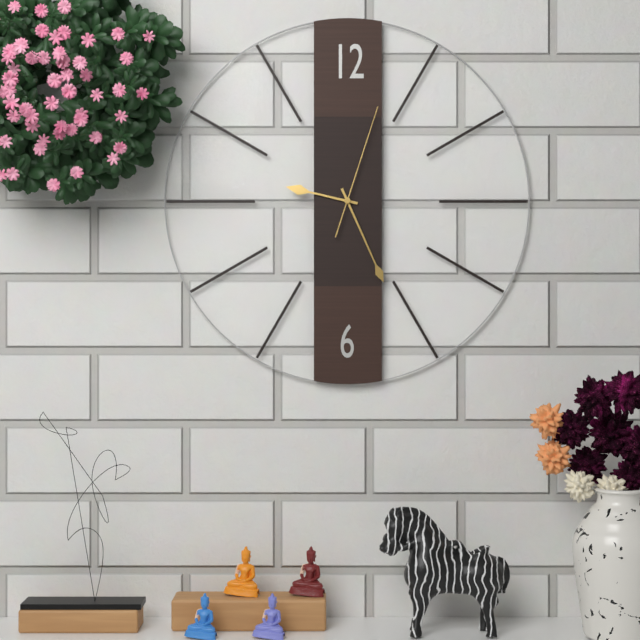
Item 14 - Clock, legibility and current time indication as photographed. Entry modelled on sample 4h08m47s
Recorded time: 9h26m03s
